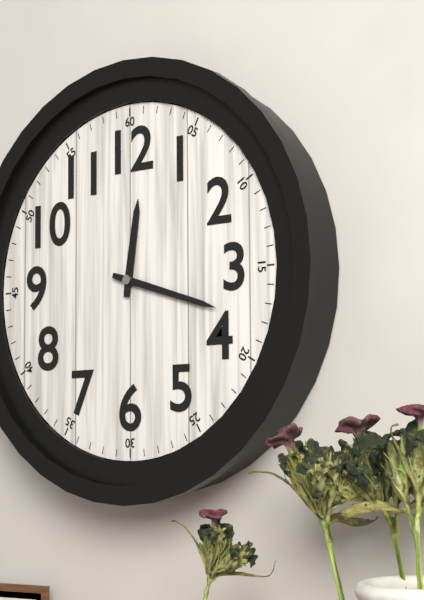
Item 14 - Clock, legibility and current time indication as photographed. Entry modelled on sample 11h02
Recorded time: 12h18
